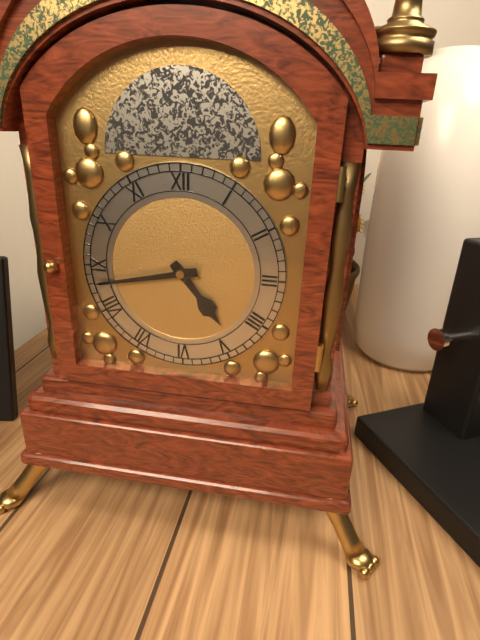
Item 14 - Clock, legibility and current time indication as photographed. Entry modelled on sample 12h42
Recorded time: 4h43
